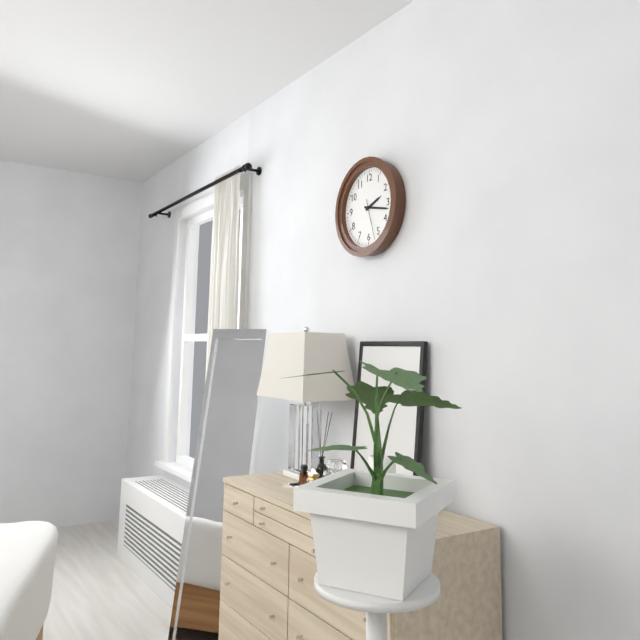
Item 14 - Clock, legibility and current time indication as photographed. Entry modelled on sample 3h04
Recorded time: 2h17
